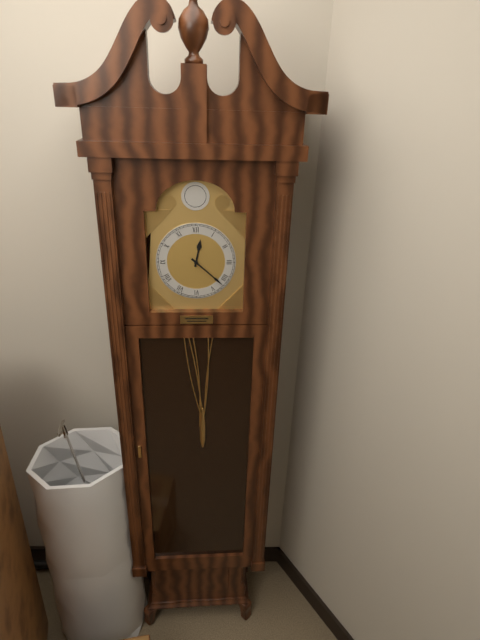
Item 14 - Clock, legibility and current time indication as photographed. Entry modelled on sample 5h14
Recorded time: 12h22
